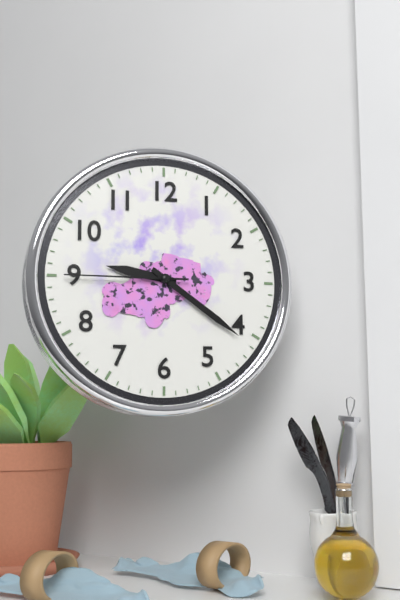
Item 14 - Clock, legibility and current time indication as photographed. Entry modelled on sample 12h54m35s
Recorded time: 9h21m45s
